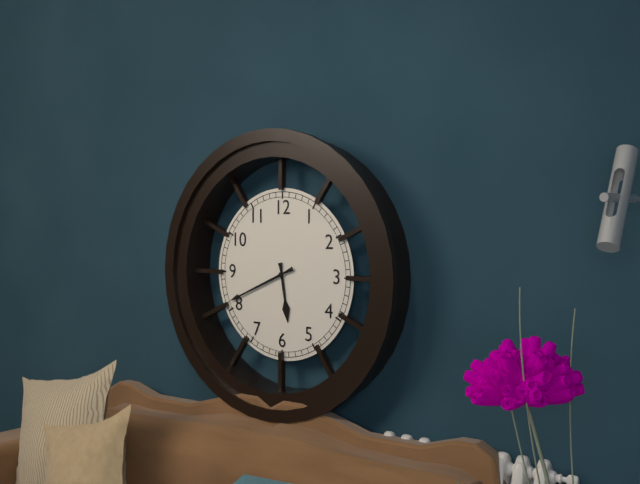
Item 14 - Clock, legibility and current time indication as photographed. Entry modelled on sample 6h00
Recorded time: 5h41
